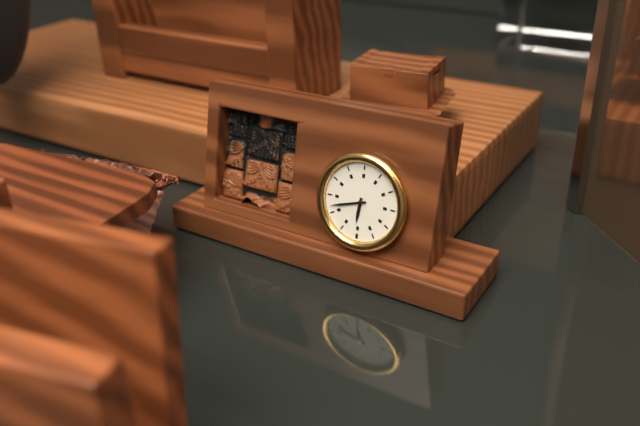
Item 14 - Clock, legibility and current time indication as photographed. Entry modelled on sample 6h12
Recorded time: 12h12
